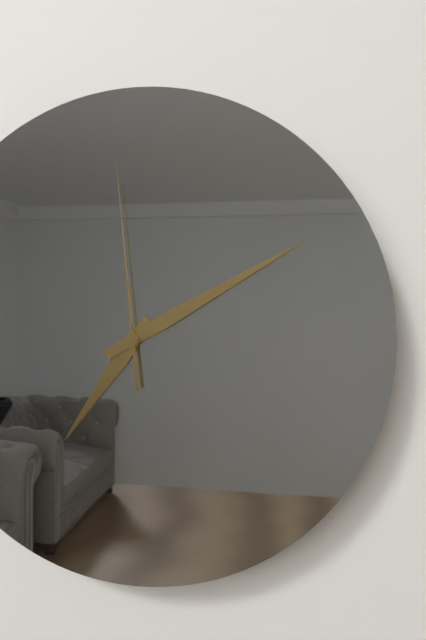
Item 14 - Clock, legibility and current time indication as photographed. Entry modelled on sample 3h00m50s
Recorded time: 7h10m59s
